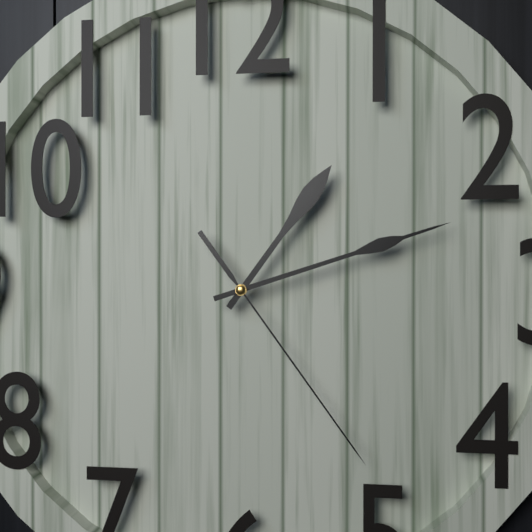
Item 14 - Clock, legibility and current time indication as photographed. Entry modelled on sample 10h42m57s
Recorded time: 1h12m24s
